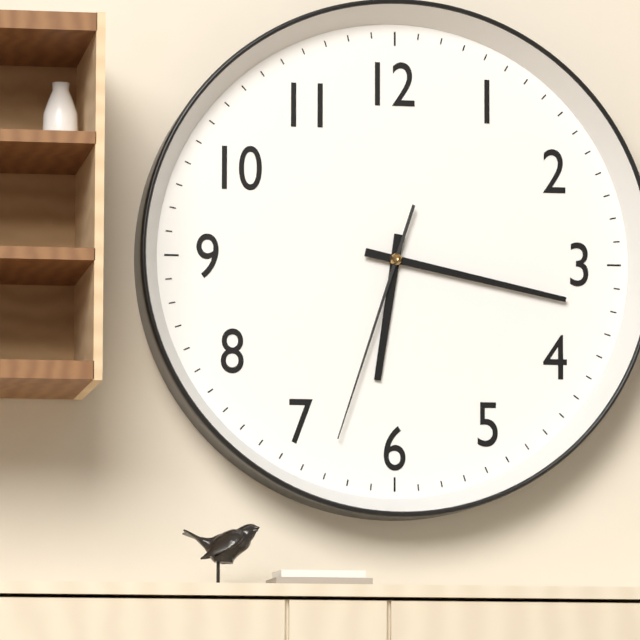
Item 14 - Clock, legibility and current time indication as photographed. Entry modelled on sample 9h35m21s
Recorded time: 6h17m33s
